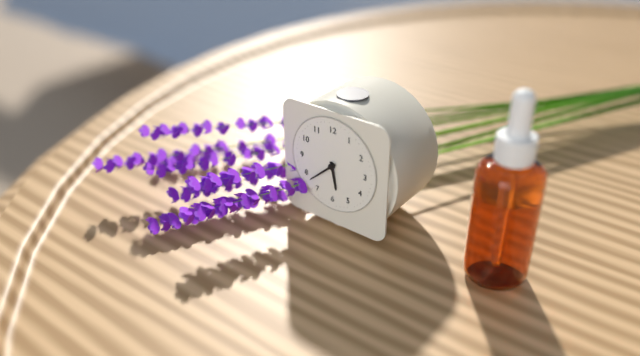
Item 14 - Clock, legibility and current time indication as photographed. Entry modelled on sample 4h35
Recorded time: 5h38
